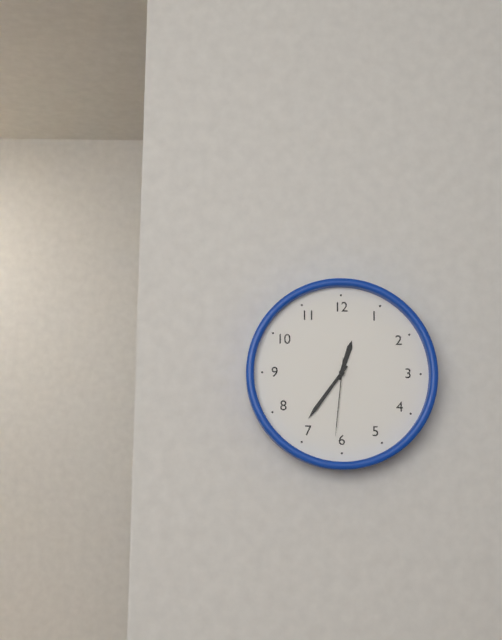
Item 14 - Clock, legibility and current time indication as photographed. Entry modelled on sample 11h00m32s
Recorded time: 12h36m31s
